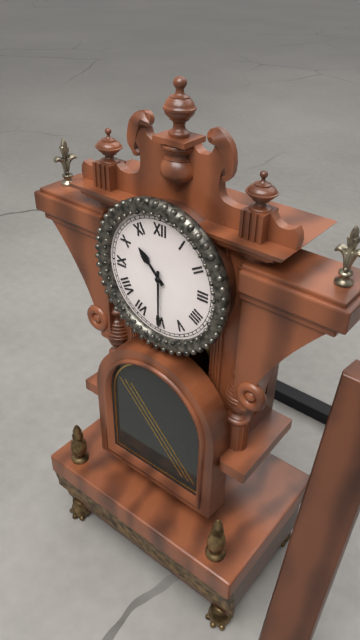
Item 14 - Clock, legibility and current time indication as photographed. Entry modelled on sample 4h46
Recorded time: 10h30
